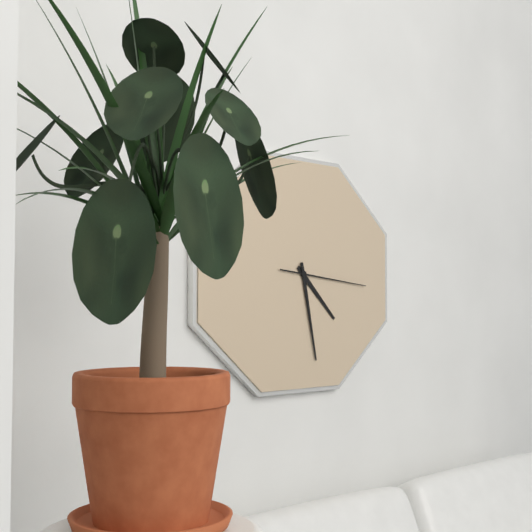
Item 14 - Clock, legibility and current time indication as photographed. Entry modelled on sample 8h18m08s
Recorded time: 4h28m16s
